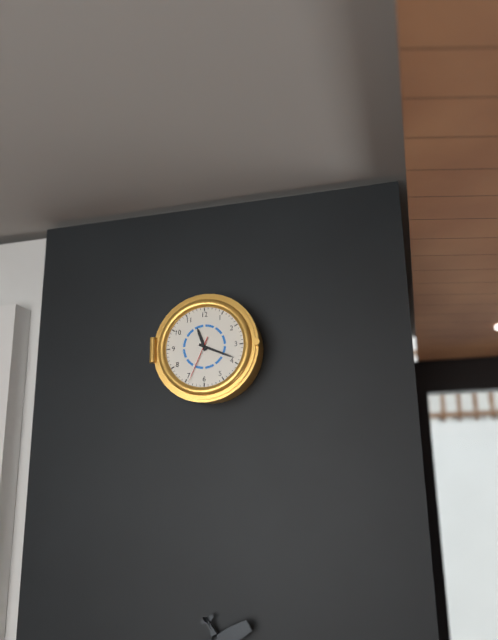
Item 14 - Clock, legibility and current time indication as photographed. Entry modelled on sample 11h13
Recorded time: 11h19
